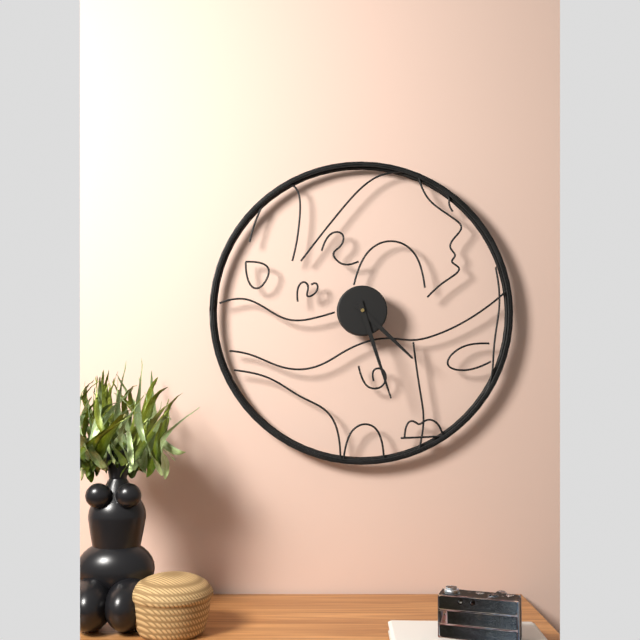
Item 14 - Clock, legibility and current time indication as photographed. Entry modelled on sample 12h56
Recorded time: 4h27
